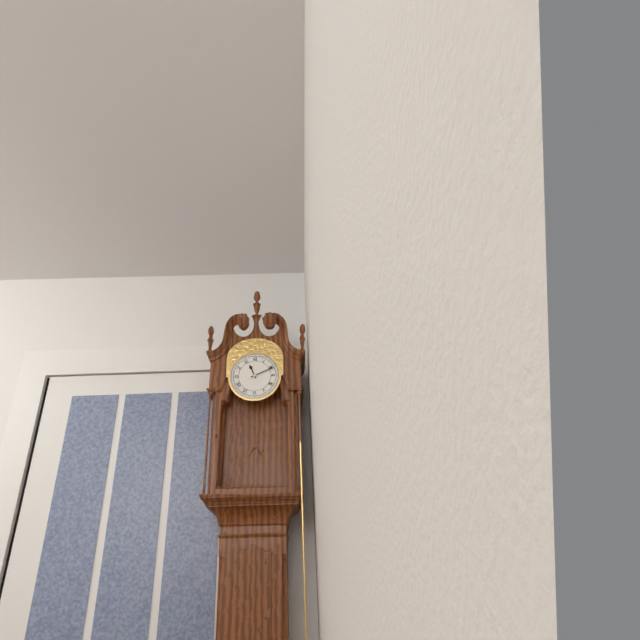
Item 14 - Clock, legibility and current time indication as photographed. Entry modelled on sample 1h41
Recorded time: 11h11
